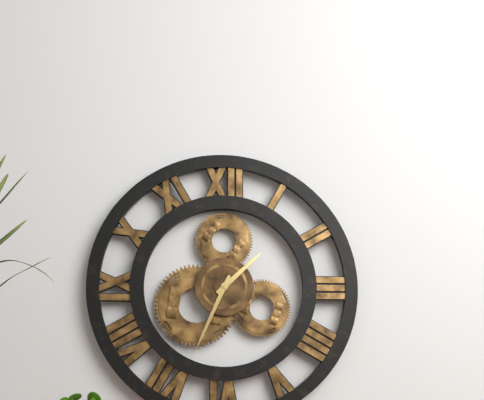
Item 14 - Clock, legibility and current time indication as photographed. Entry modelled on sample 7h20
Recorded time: 1h34
